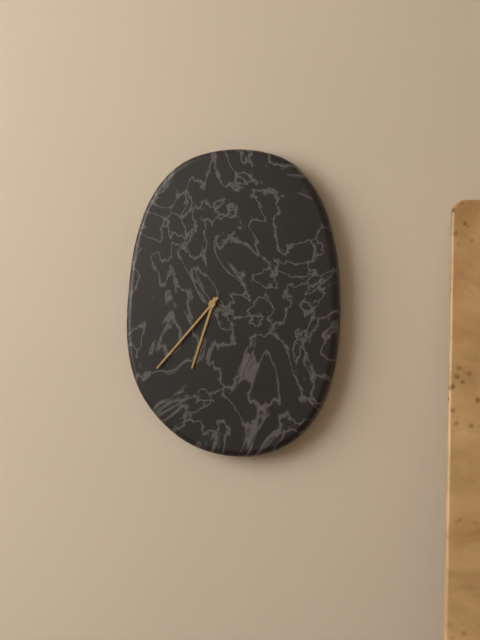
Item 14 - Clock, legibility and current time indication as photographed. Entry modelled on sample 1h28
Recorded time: 6h37
